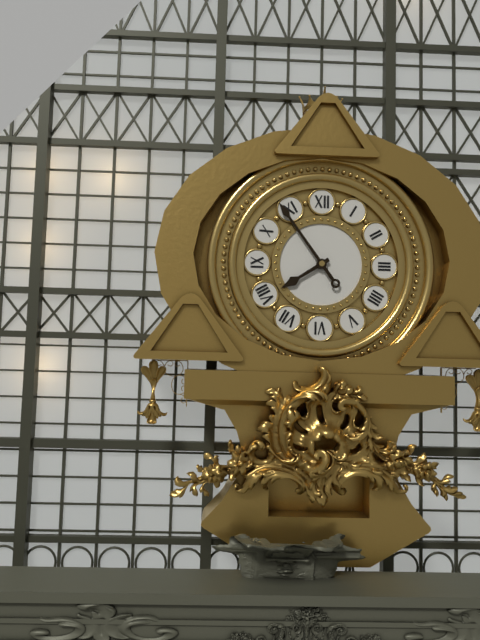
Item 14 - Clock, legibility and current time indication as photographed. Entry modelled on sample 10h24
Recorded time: 7h54
